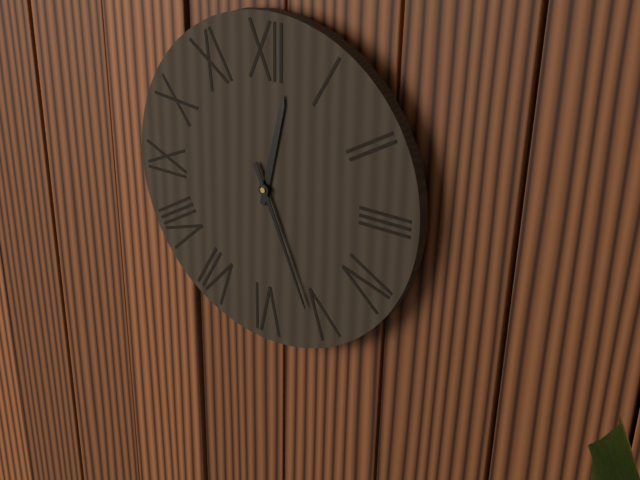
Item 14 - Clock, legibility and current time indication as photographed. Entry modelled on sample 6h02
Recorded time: 12h26
